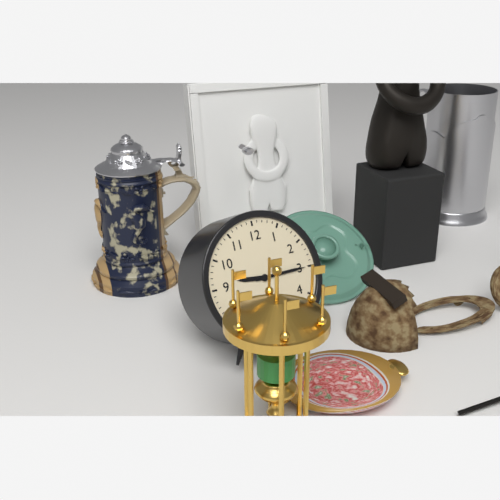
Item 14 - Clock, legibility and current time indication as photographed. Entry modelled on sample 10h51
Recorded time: 9h15
